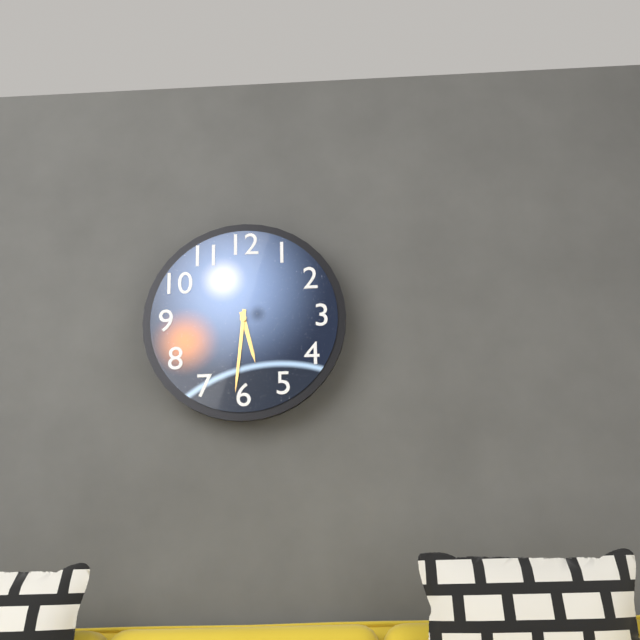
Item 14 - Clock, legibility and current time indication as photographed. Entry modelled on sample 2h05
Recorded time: 5h31
